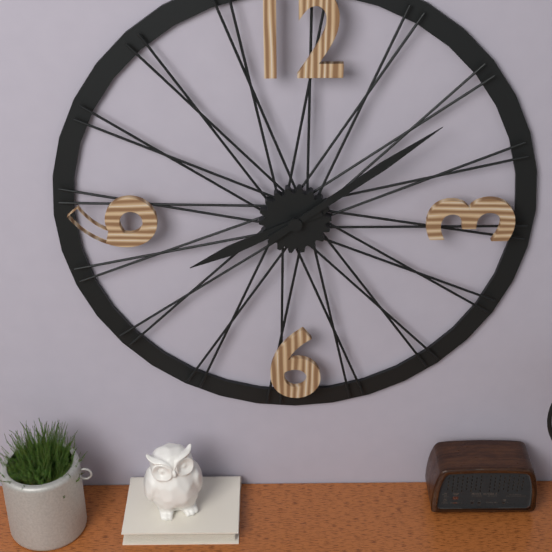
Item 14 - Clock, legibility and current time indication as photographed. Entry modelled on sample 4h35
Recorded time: 8h09
